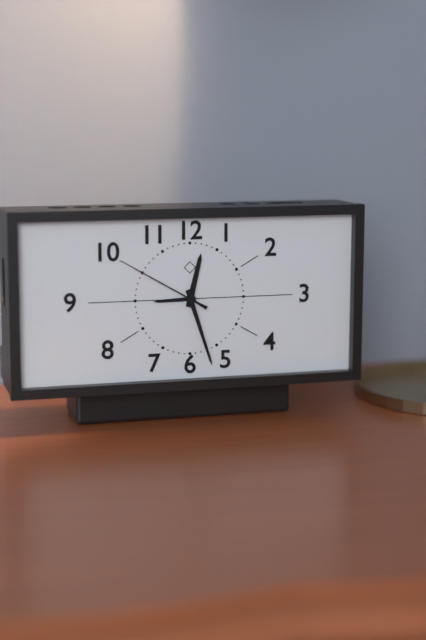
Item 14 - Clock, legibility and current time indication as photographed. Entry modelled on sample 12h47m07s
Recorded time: 12h27m50s
